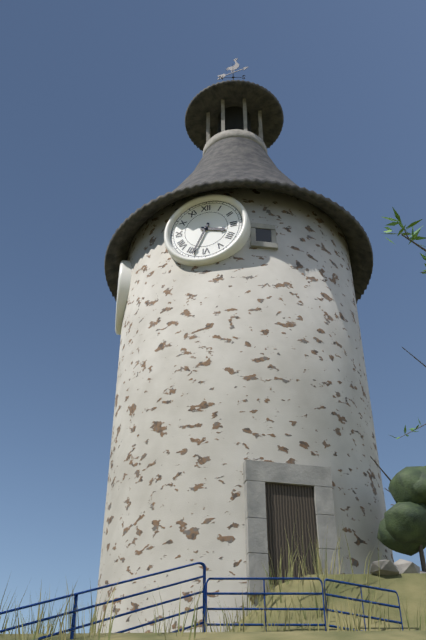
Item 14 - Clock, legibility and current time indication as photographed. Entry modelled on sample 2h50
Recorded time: 3h34
